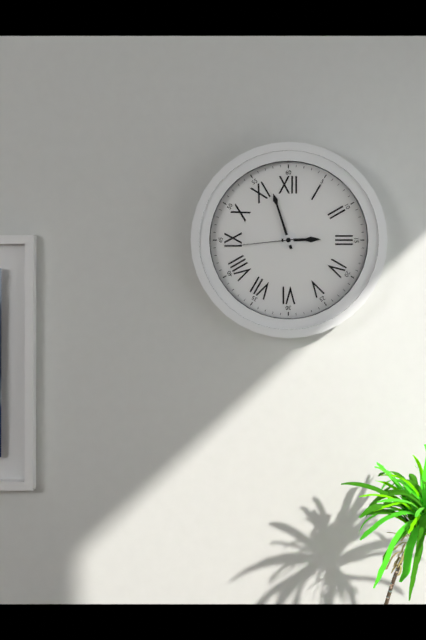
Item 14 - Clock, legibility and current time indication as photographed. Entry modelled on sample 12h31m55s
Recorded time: 2h57m44s
